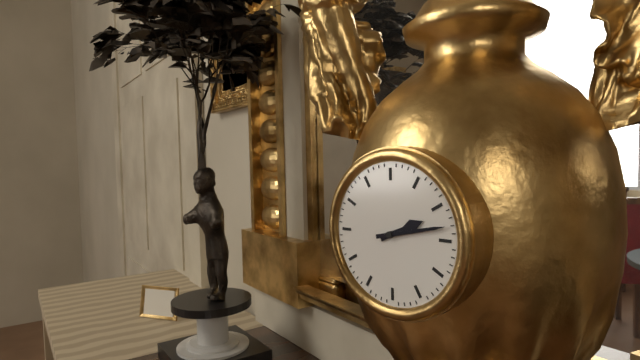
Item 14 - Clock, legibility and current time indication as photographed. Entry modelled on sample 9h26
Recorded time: 2h13
